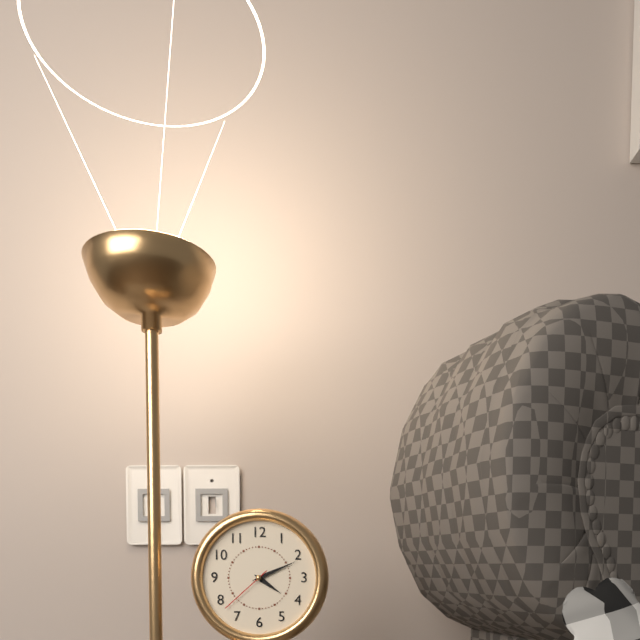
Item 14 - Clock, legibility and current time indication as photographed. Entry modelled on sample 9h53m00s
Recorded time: 4h11m38s
